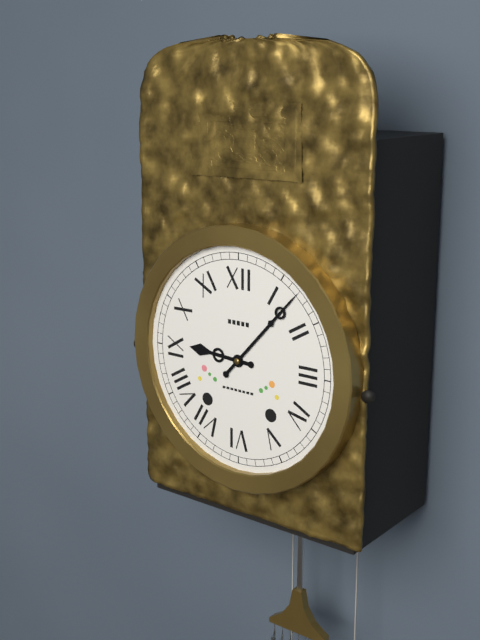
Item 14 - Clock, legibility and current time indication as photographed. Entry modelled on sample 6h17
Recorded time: 9h07
